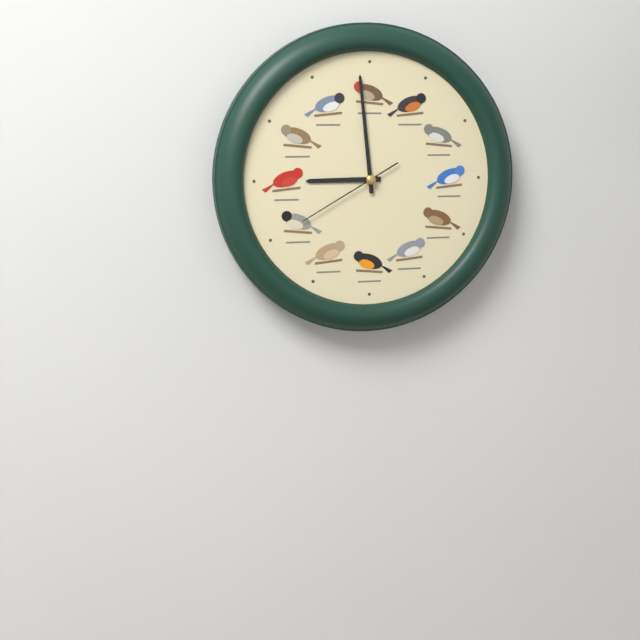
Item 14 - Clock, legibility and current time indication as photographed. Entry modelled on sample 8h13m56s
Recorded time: 8h59m40s
